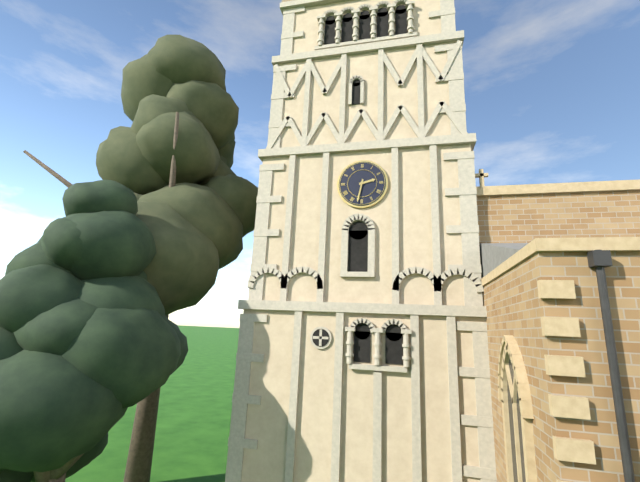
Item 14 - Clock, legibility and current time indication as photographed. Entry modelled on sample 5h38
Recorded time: 2h32
